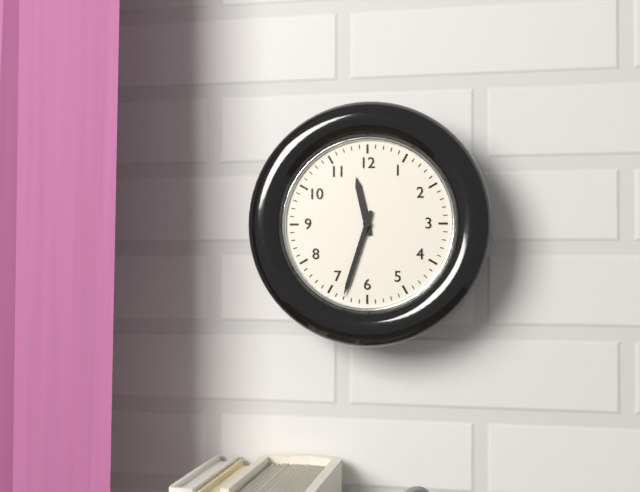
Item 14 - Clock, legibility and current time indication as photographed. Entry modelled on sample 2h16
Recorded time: 11h33
